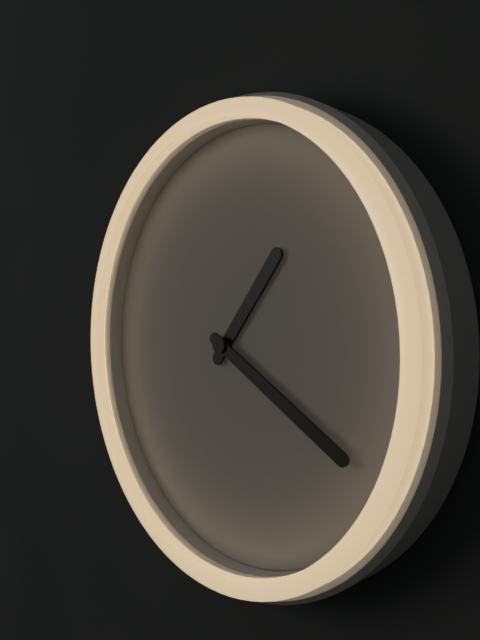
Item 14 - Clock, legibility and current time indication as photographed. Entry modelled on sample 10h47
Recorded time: 1h20
